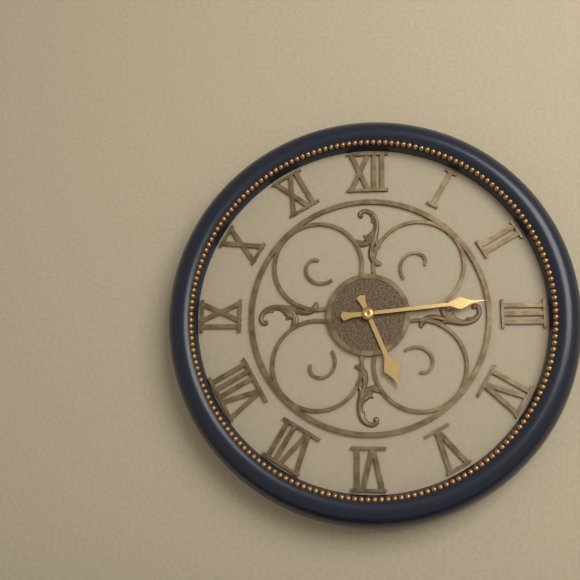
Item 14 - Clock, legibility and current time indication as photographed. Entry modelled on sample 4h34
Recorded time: 5h14
